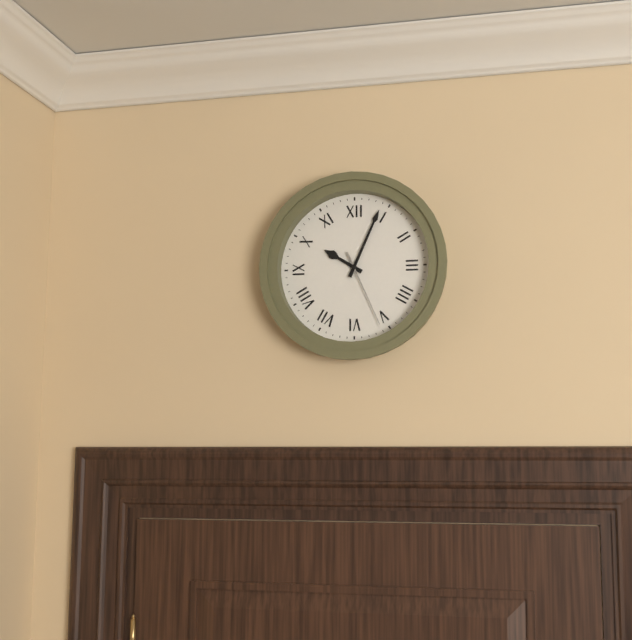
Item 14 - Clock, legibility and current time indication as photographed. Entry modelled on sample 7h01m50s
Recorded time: 10h04m26s
